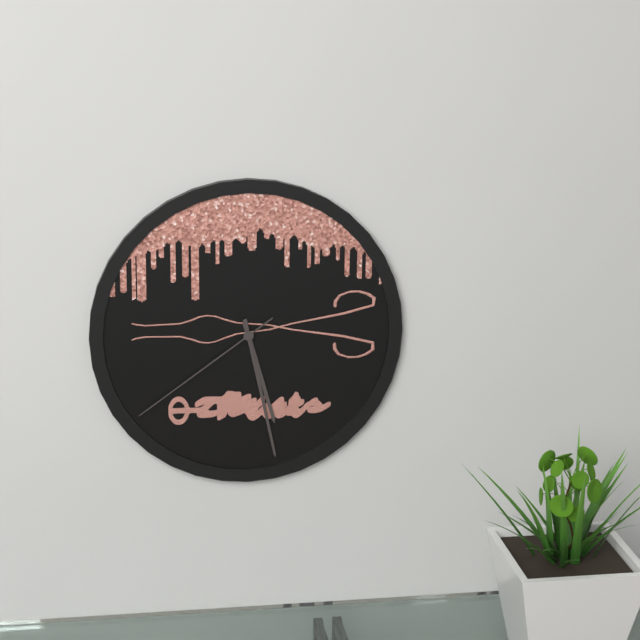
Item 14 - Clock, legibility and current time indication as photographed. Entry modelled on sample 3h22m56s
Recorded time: 5h28m39s
